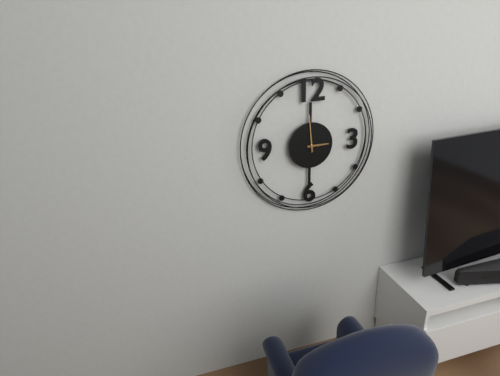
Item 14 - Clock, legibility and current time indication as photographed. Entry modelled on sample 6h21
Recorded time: 2h59
